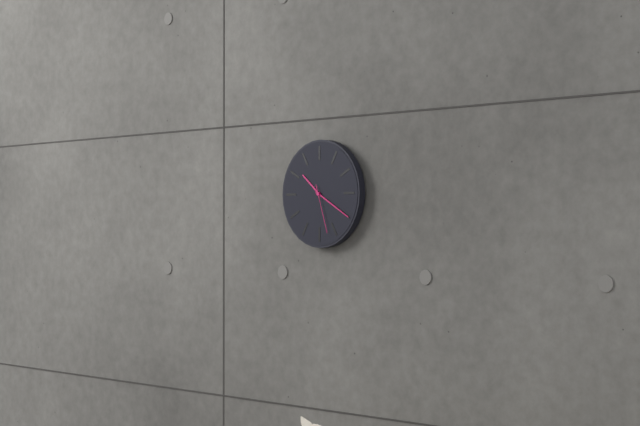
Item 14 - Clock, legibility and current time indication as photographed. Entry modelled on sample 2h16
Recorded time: 10h20
